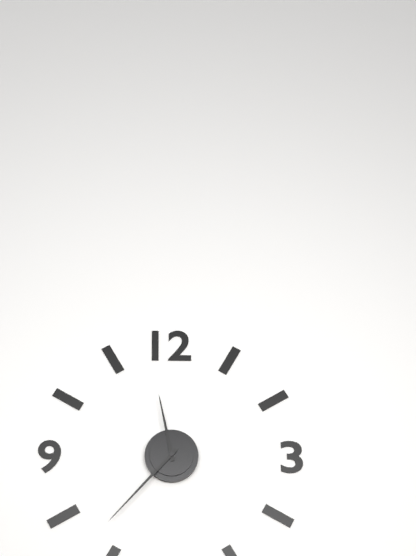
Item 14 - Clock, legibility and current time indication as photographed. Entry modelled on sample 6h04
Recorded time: 11h37
